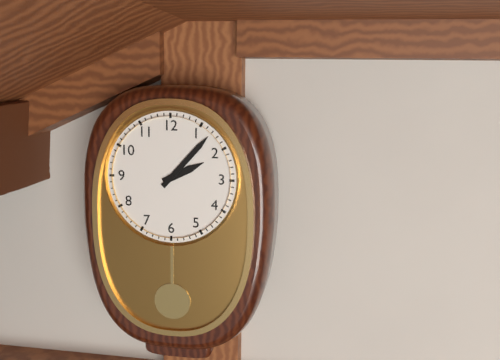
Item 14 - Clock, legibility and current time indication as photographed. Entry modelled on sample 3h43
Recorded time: 2h07
